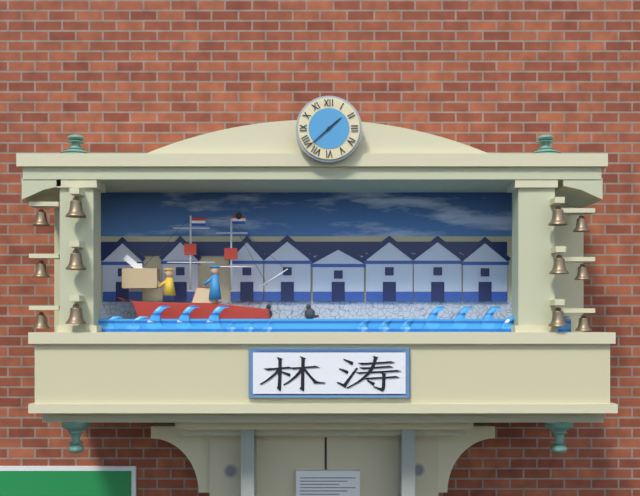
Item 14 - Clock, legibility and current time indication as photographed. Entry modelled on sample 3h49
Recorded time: 1h38
